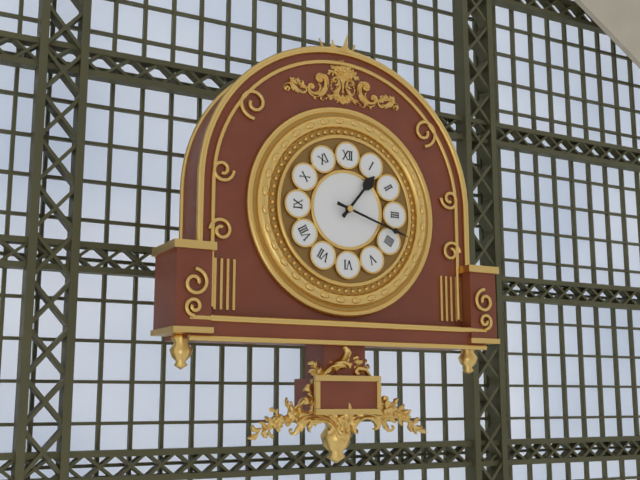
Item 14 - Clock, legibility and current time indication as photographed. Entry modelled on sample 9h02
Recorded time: 1h18
